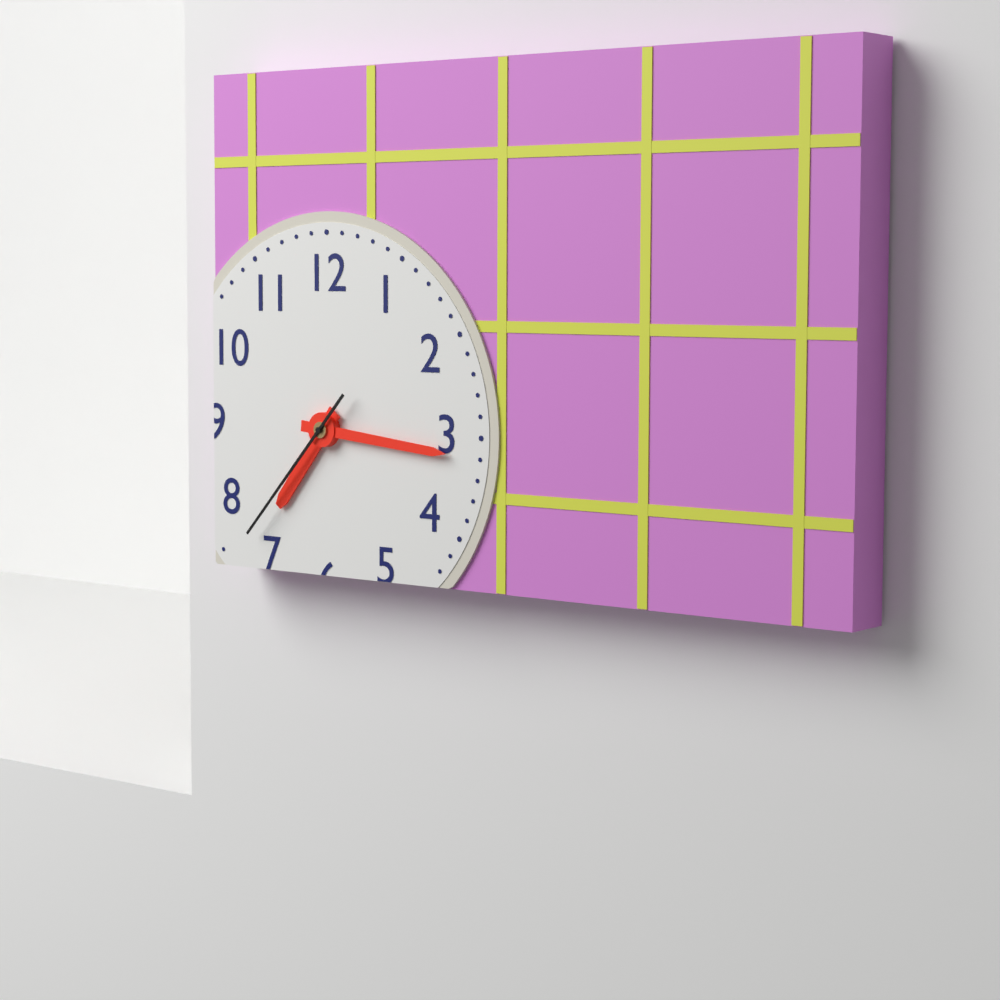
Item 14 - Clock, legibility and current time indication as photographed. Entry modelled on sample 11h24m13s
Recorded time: 7h16m37s
